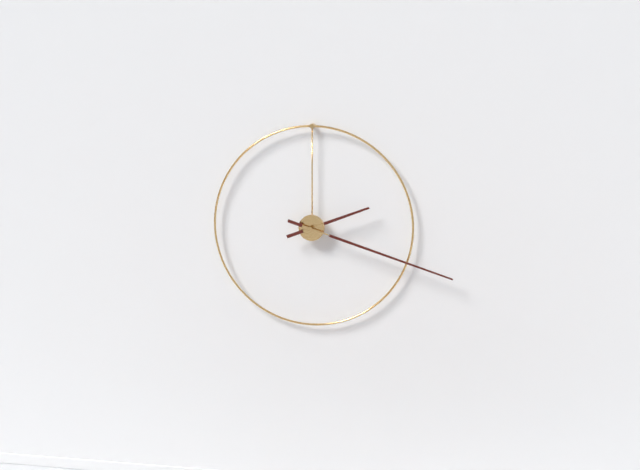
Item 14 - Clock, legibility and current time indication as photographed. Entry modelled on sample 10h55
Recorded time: 2h18
